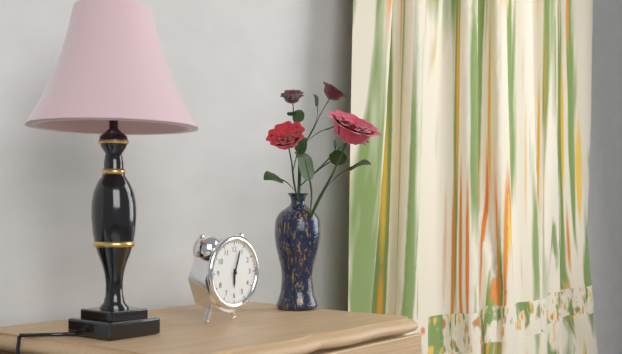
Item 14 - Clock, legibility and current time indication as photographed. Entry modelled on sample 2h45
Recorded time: 6h03
